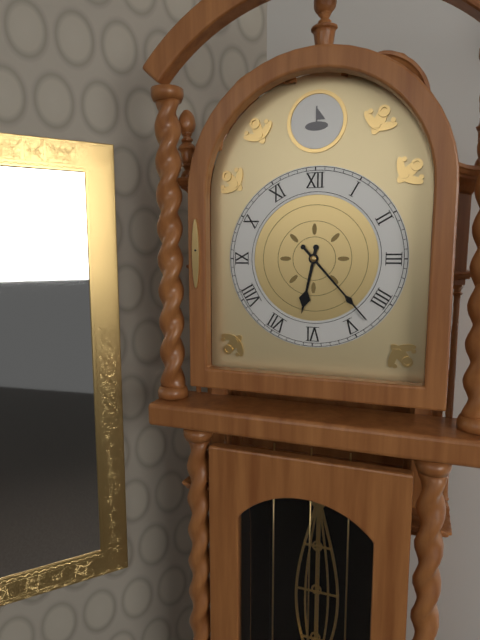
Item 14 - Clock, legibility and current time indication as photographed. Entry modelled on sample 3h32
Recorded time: 6h23
